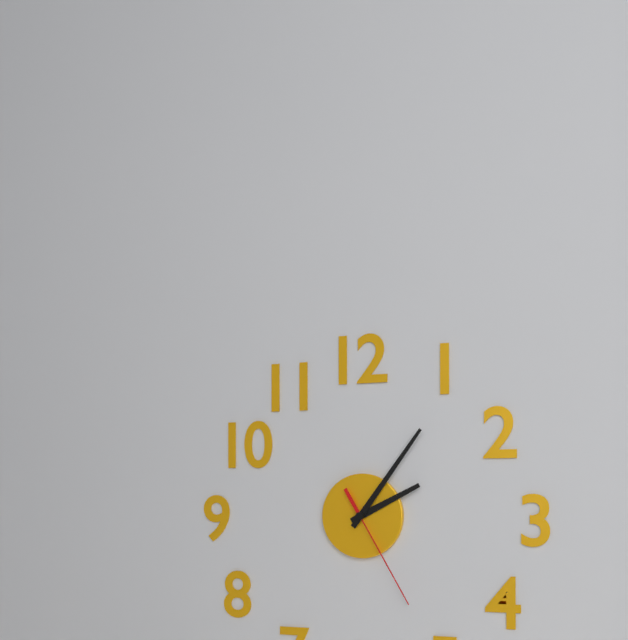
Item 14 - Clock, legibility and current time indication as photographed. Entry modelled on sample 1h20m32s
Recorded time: 2h06m25s
